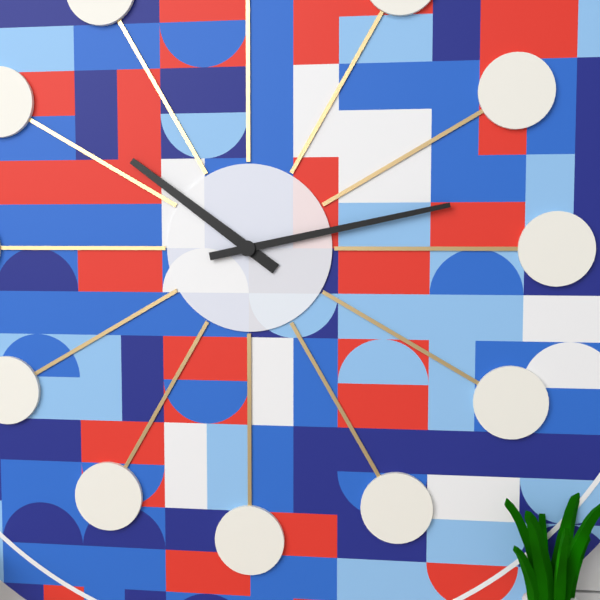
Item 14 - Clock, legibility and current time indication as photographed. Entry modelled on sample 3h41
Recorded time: 10h13
